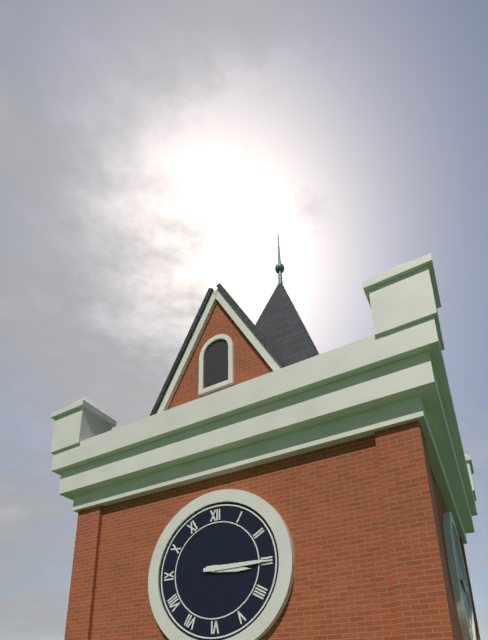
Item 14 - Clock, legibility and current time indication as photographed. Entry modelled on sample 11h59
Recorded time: 3h15
